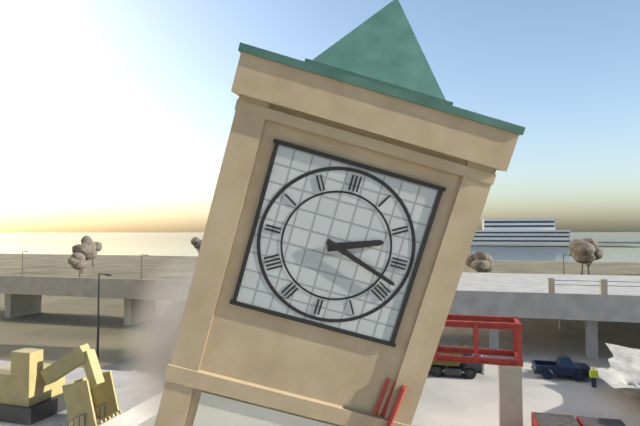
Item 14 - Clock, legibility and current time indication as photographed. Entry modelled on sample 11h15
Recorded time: 2h18
